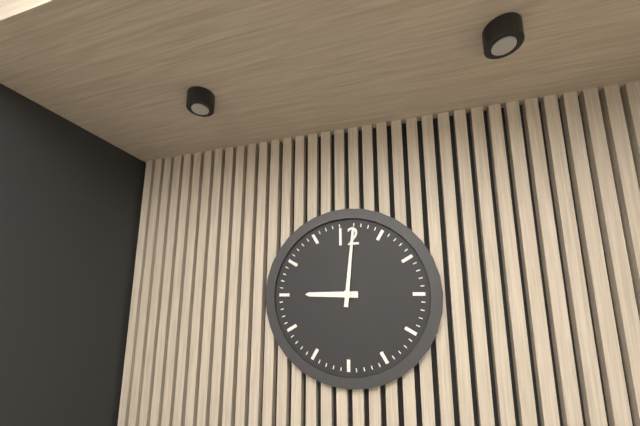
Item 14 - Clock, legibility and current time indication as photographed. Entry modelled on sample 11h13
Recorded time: 9h01
